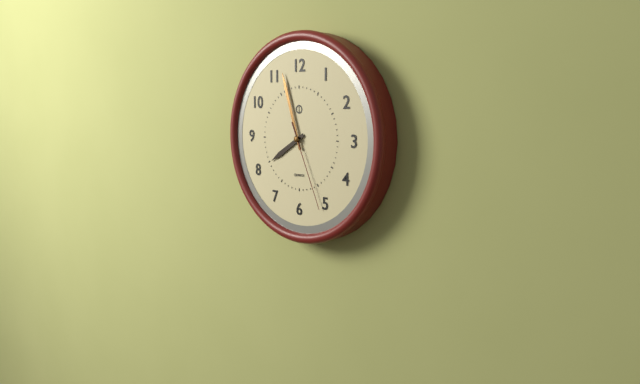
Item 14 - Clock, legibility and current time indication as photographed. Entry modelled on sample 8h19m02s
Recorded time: 7h57m26s
